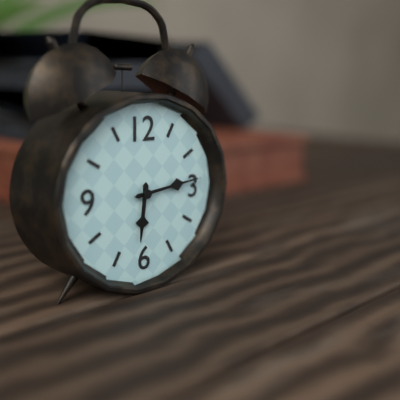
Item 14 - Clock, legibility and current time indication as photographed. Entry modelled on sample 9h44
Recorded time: 6h14
